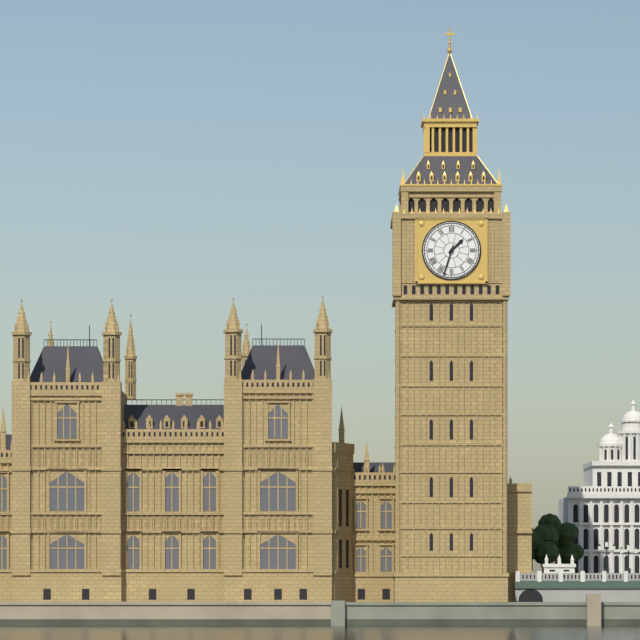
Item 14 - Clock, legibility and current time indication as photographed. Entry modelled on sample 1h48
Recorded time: 1h33
